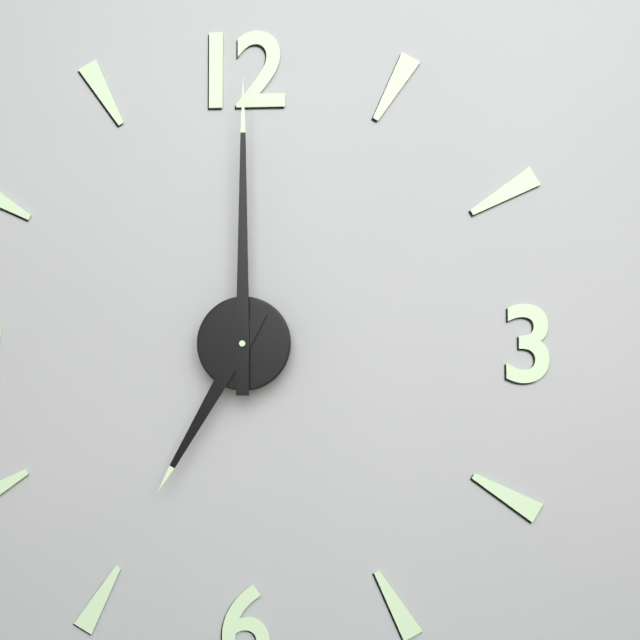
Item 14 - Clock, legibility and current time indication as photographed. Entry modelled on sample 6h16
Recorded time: 7h00
